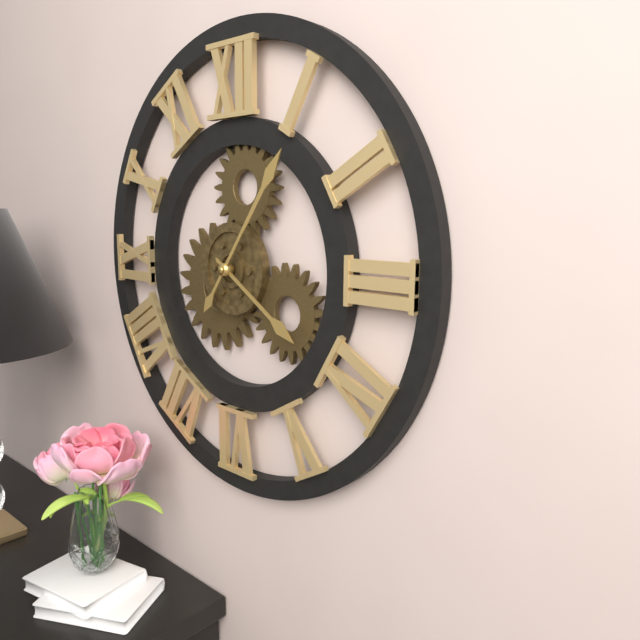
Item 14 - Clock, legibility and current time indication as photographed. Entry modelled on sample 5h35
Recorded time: 4h06
